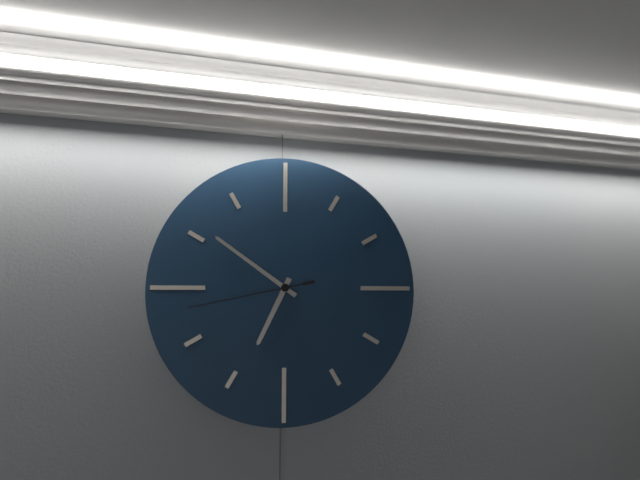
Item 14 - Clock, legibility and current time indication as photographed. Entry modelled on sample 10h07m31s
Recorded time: 6h51m43s
